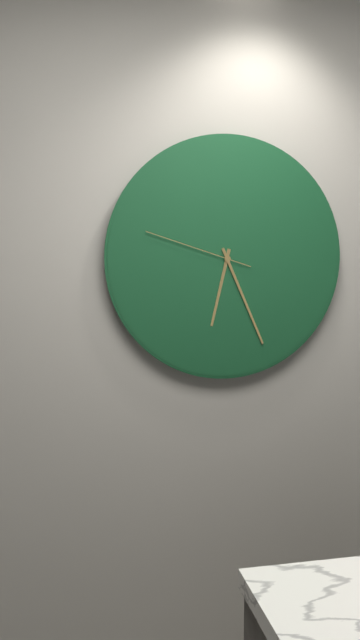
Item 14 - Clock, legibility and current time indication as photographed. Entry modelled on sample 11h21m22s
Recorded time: 6h26m48s
